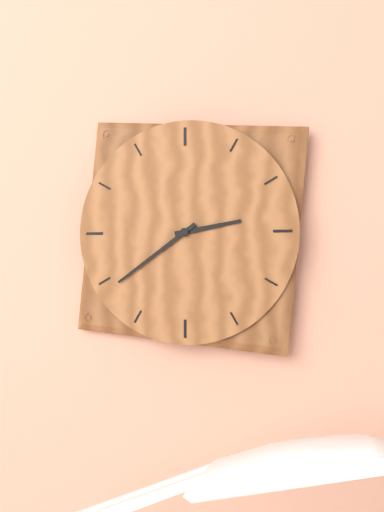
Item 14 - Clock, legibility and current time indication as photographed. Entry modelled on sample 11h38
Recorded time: 2h39
